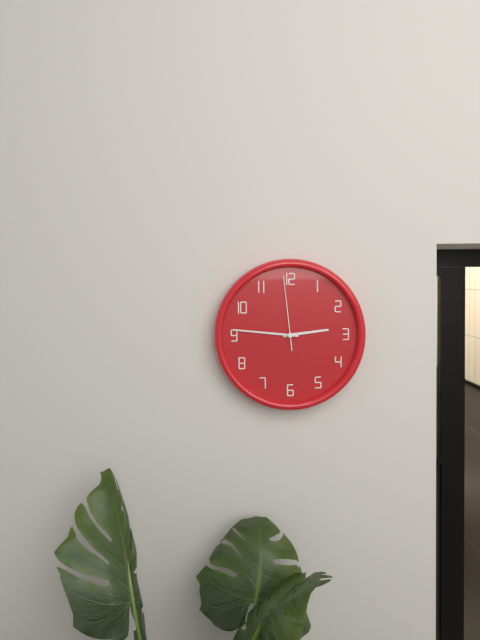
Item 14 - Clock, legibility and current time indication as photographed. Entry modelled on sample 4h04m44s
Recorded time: 2h46m59s
